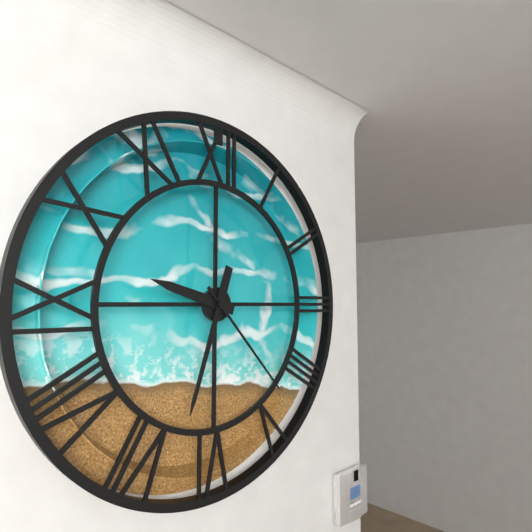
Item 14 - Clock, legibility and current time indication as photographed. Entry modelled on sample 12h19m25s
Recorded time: 9h33m23s
